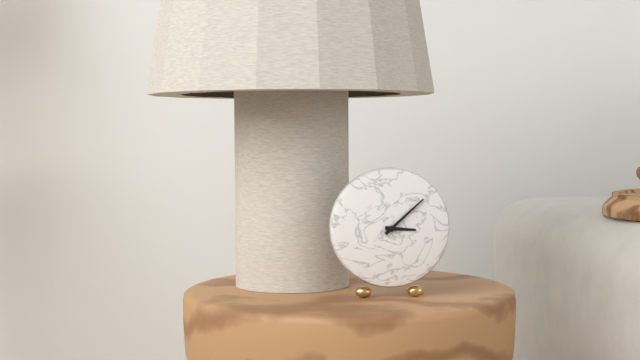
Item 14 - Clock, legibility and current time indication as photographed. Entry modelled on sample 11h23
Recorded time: 3h08
